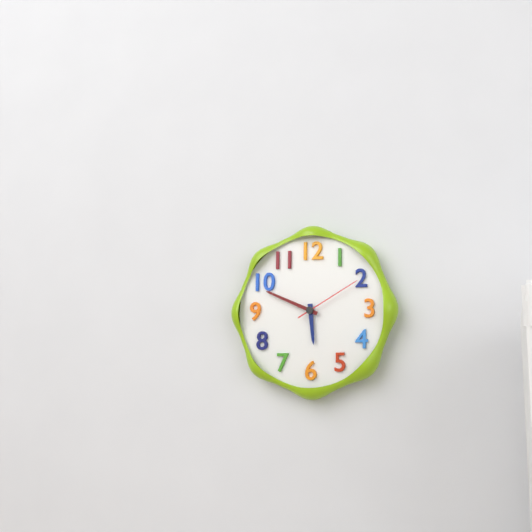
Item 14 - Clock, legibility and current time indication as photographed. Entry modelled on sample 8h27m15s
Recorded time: 5h49m10s
